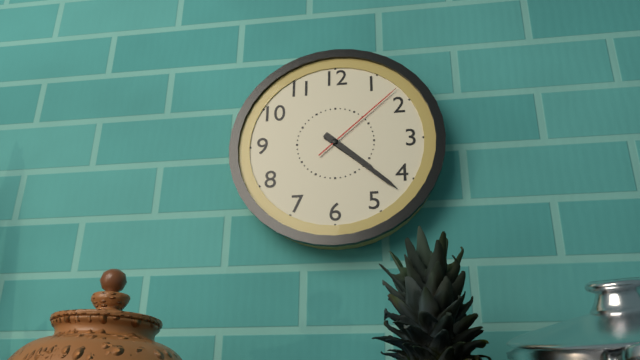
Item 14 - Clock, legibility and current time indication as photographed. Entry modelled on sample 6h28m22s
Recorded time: 4h22m08s
